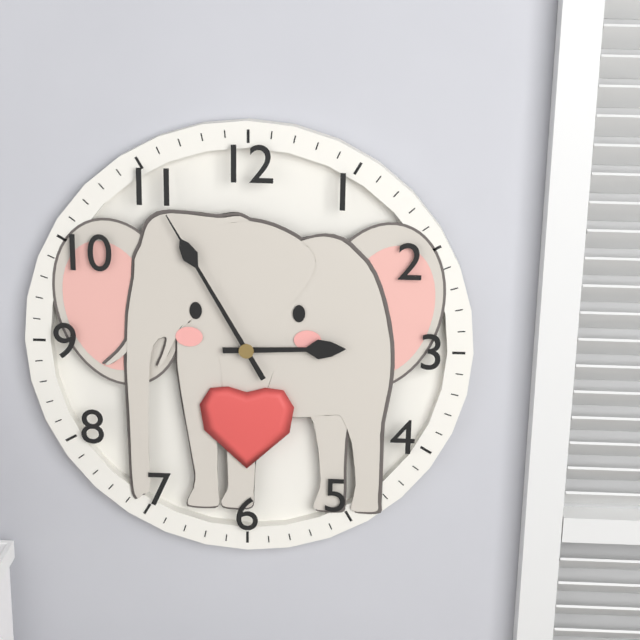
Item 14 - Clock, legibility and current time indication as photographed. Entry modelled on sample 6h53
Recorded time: 2h55
